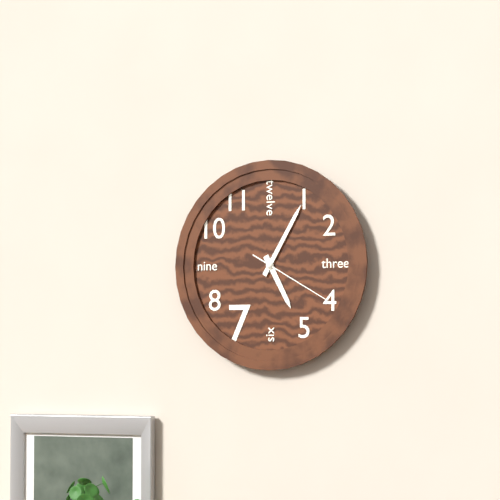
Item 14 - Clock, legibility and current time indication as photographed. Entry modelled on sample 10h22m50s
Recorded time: 5h05m20s
